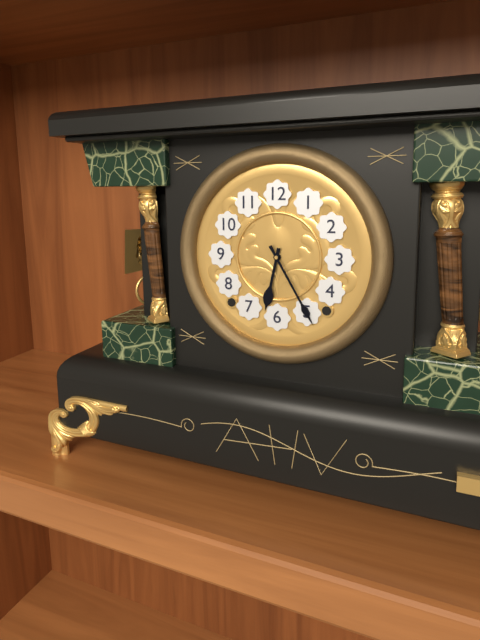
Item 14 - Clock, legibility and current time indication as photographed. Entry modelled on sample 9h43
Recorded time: 6h25
